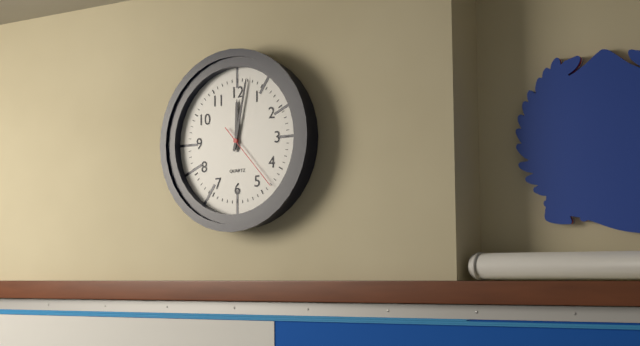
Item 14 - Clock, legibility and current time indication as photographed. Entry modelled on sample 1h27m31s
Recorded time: 12h02m23s
